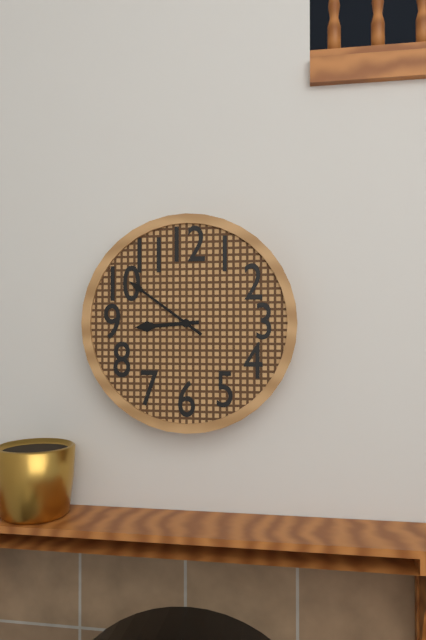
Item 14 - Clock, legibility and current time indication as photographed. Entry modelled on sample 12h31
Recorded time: 8h51
